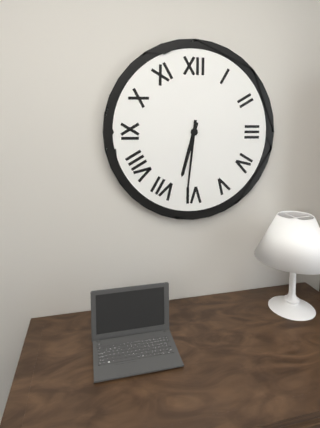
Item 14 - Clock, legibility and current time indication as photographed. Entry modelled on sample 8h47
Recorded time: 6h31
